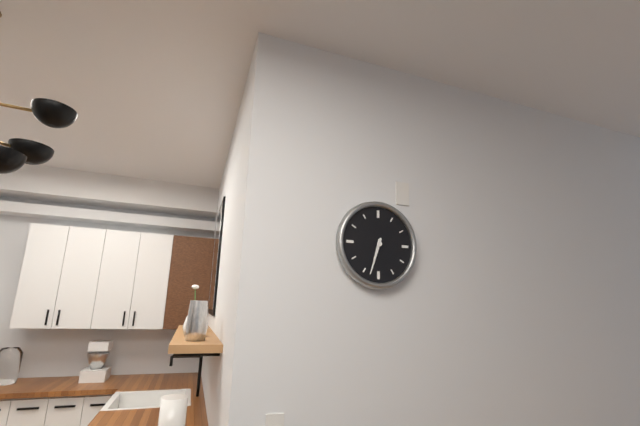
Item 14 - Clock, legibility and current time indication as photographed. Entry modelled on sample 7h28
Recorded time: 6h33
